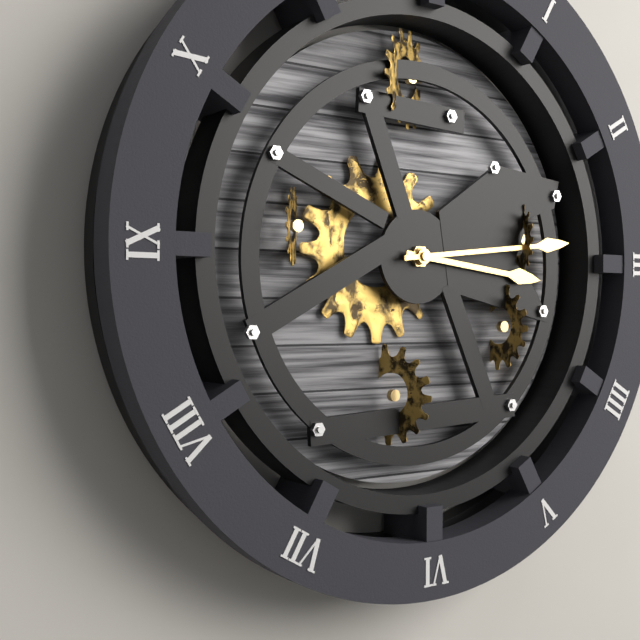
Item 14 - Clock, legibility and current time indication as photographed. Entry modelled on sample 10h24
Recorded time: 3h14
